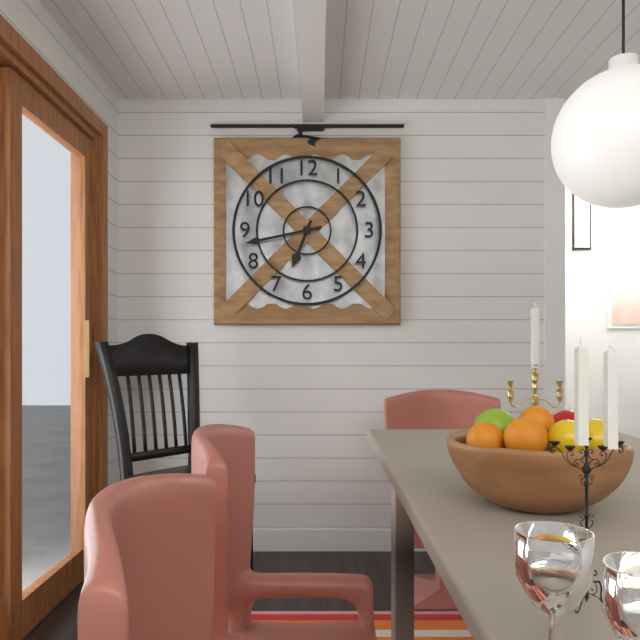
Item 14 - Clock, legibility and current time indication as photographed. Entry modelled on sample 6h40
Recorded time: 6h43
